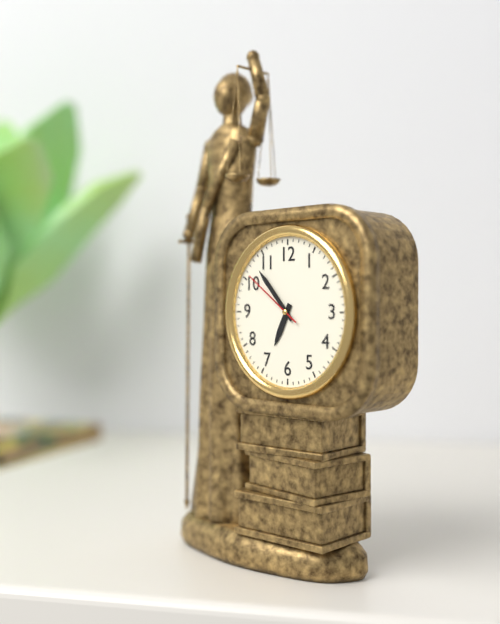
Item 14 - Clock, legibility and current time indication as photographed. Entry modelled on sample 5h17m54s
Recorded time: 6h53m51s
